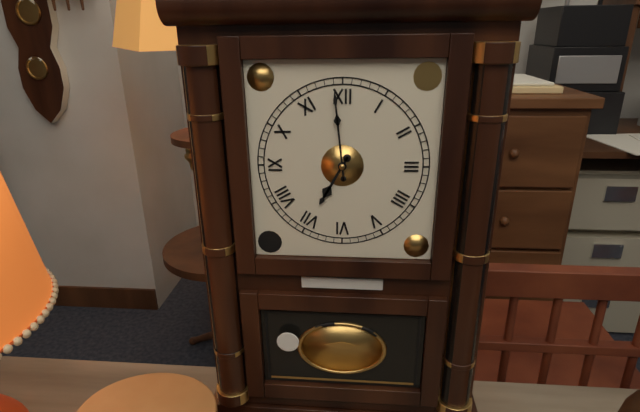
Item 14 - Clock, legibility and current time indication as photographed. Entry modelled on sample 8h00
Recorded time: 6h59
